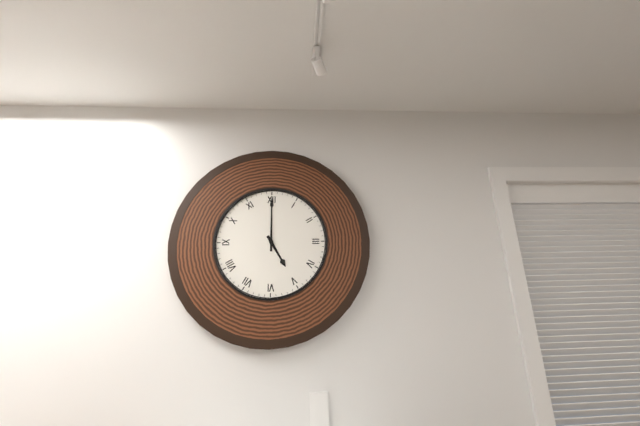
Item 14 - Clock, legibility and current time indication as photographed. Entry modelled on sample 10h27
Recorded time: 5h00
